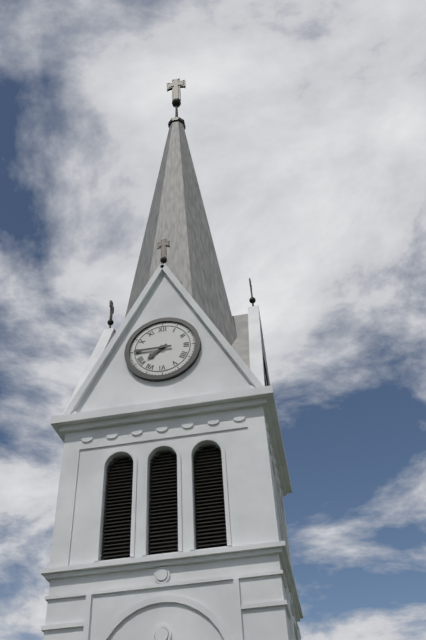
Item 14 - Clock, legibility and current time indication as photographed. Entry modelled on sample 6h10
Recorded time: 7h45
